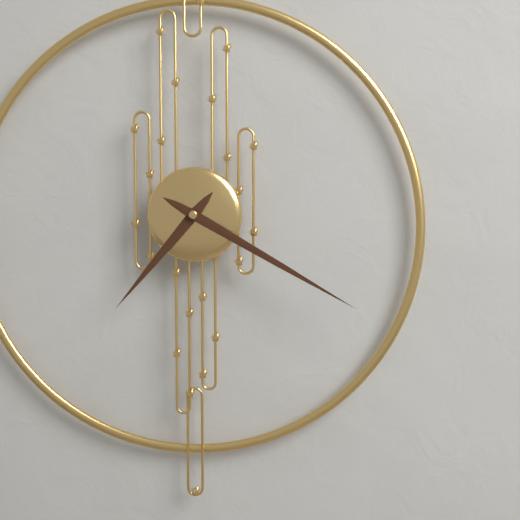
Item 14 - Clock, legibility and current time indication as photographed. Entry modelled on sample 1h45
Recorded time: 7h20
